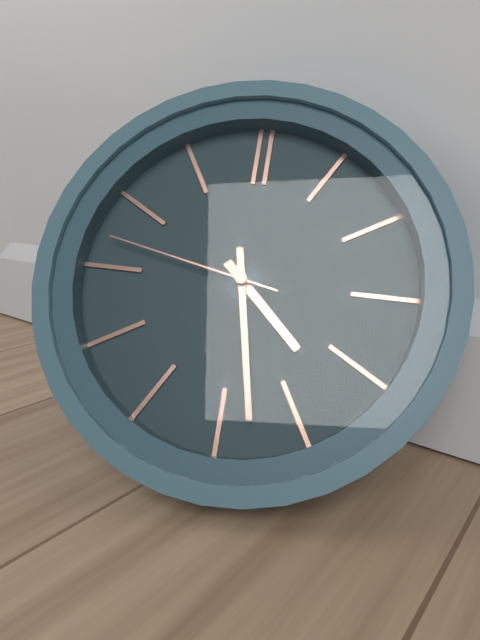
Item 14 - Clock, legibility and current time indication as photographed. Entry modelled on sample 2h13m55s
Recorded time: 4h28m47s
